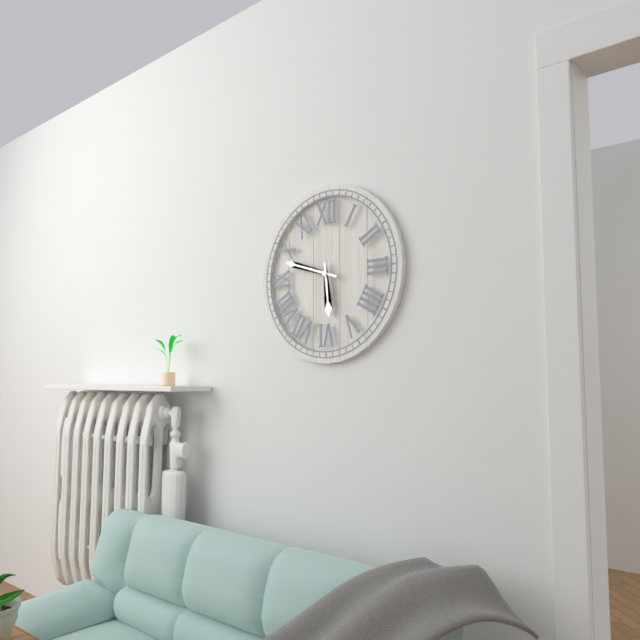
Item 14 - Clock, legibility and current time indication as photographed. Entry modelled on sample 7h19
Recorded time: 5h48
